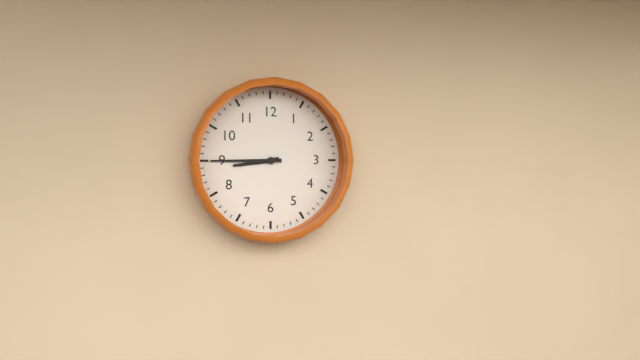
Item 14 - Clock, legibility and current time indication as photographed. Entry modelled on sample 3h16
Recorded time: 8h45
